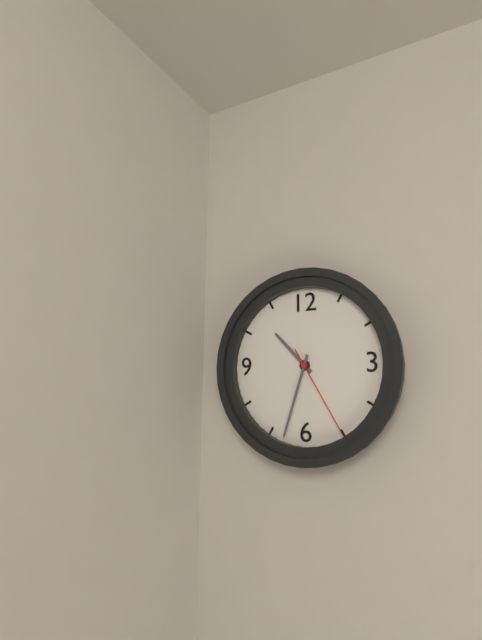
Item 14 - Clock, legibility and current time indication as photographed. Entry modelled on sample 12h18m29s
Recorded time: 10h33m25s
